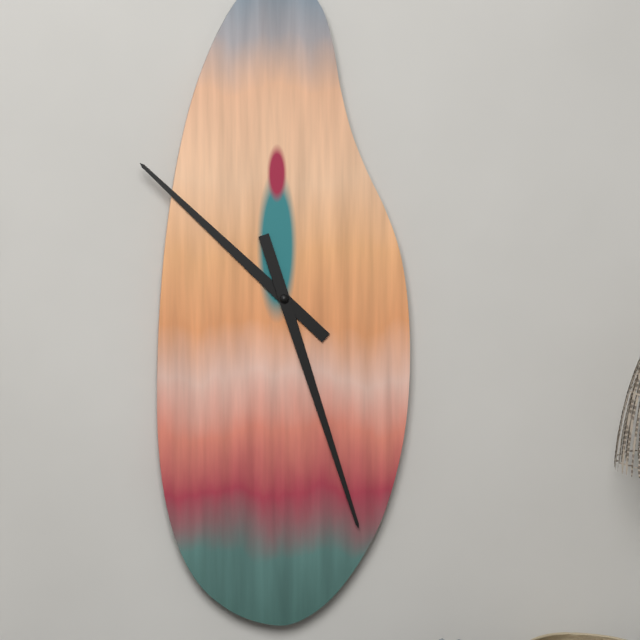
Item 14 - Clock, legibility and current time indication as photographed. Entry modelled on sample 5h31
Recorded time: 10h27
